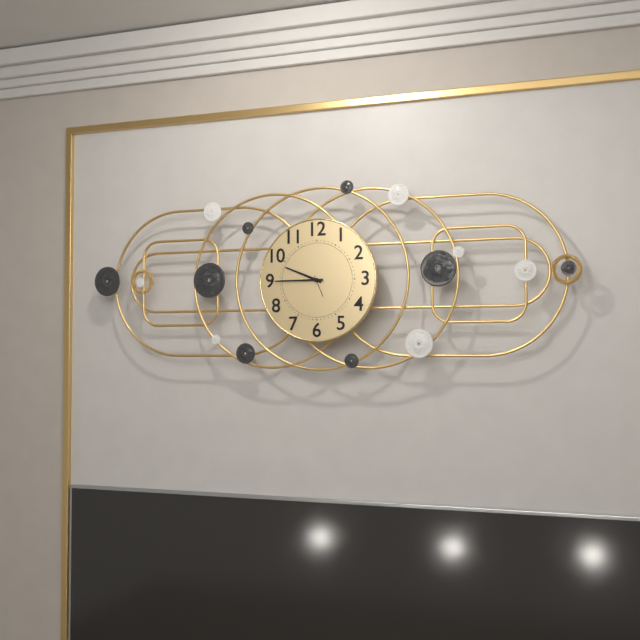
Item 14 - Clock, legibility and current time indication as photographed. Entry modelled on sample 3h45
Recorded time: 9h45
